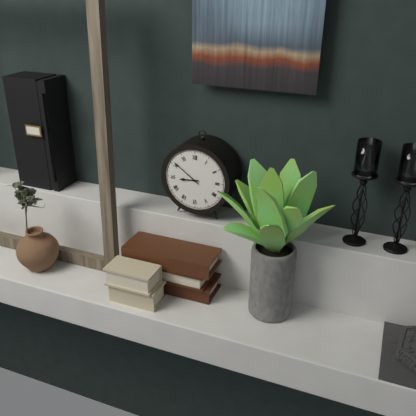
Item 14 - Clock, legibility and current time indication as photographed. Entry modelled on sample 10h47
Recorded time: 8h51
